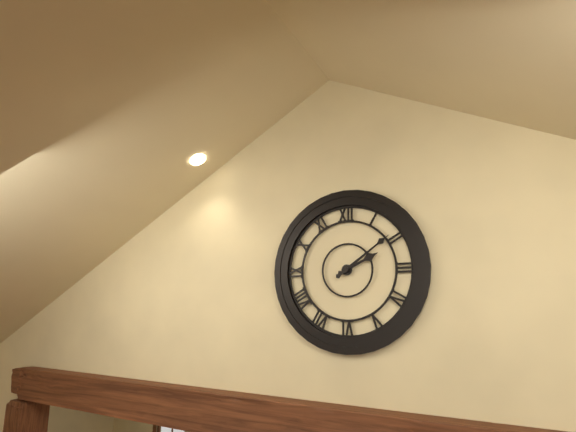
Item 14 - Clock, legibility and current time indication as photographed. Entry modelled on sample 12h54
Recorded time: 2h09
